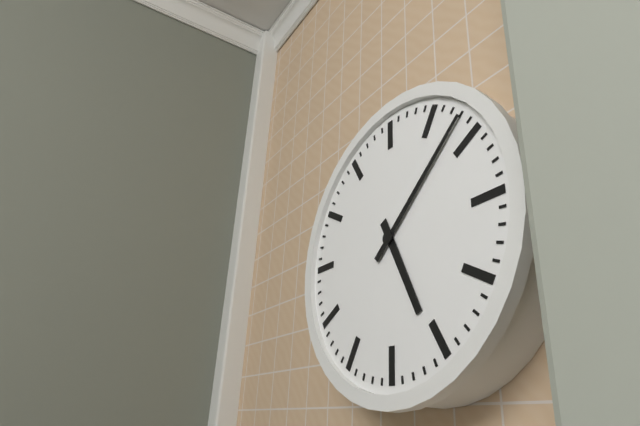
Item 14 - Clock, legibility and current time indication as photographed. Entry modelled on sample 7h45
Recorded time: 5h08
